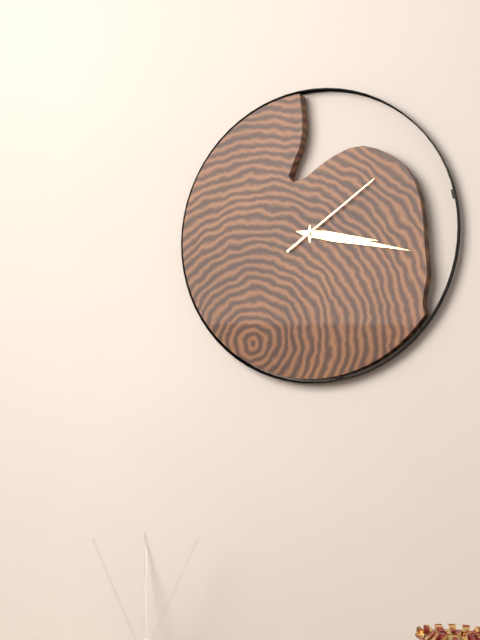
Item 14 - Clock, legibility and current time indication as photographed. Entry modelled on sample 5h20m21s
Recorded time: 3h17m09s
